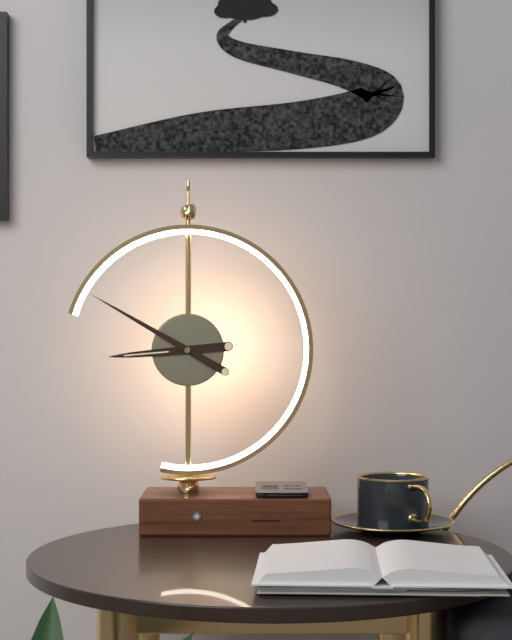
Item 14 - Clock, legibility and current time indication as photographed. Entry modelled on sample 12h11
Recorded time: 8h50
